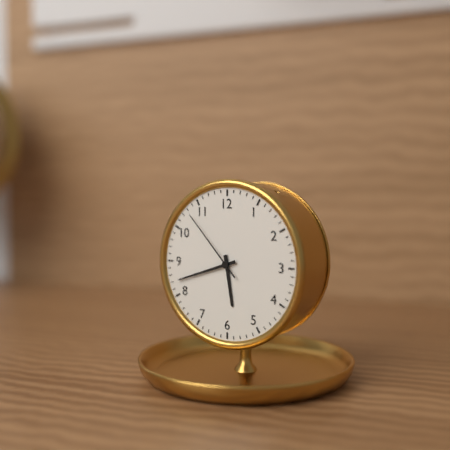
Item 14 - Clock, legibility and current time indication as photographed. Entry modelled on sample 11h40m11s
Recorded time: 5h42m53s
